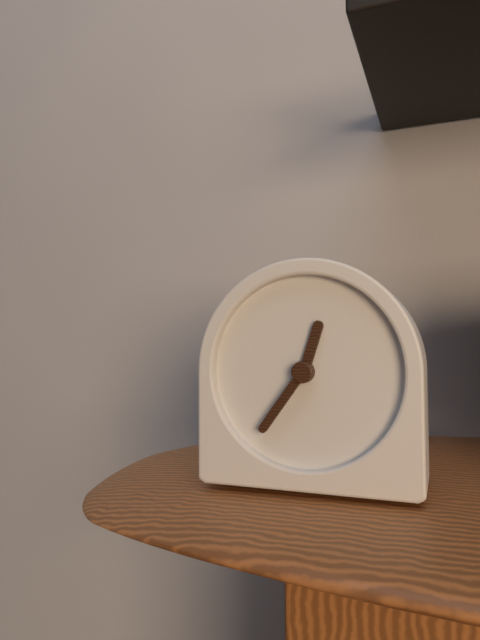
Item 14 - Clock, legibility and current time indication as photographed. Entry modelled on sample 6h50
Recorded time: 12h36
